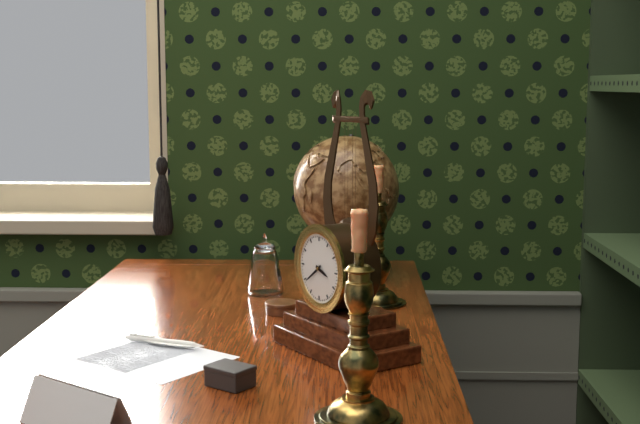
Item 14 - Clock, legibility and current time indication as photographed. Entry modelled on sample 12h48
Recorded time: 3h39
